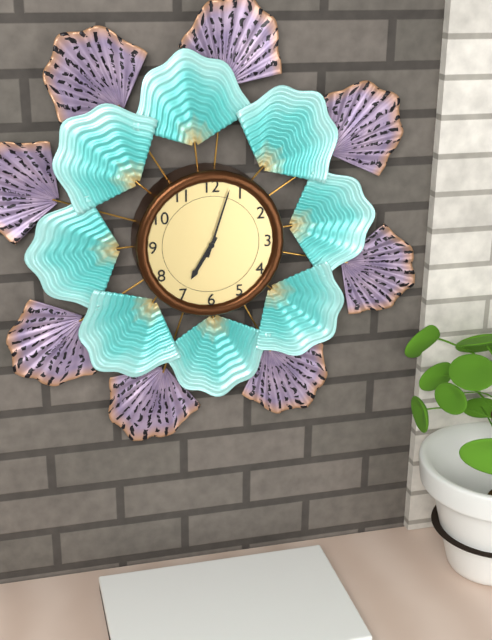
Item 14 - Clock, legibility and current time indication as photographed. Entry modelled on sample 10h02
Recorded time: 7h03
